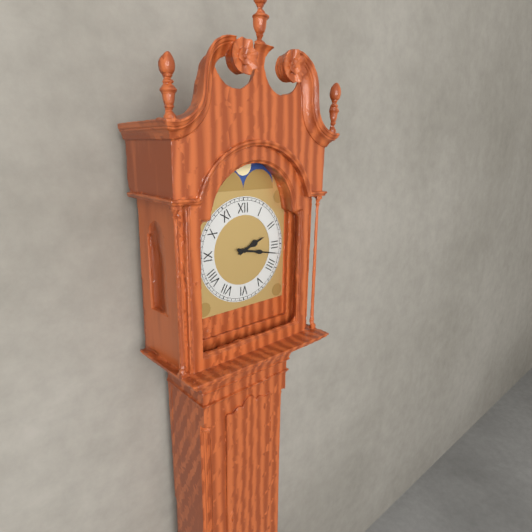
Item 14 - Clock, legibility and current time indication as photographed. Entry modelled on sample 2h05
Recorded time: 2h17
